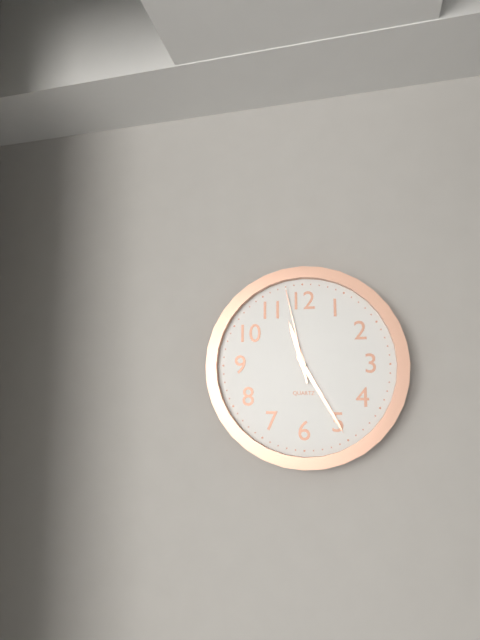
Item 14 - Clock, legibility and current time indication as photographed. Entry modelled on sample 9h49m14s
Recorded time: 11h25m58s
